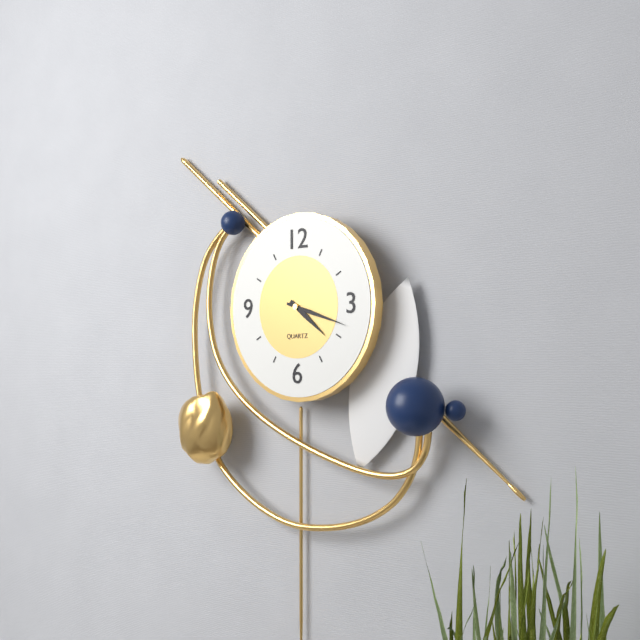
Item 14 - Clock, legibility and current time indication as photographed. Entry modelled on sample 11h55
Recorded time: 4h18
